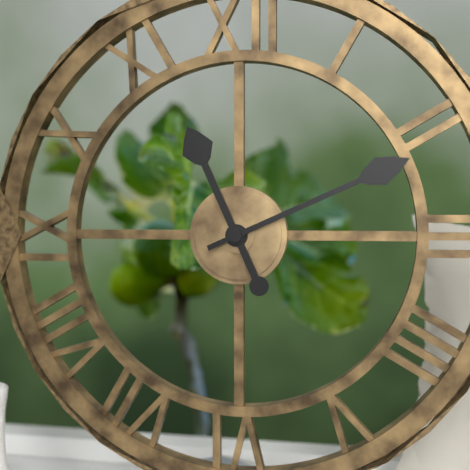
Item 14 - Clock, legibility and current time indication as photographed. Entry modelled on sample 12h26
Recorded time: 11h11
